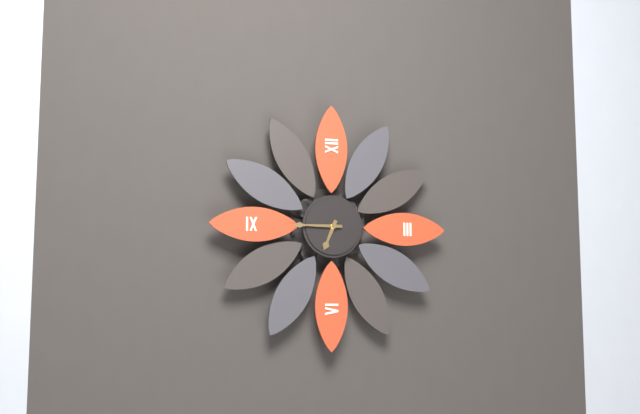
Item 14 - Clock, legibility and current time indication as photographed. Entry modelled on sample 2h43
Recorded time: 6h45
